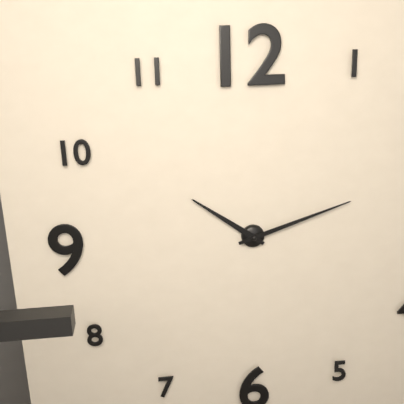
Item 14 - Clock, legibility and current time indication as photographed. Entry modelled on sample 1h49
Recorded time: 10h12
